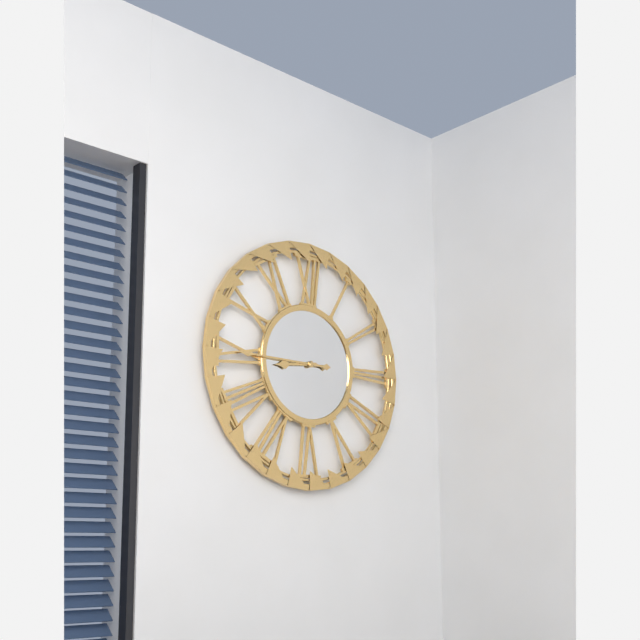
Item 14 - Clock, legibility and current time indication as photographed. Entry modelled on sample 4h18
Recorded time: 8h45
